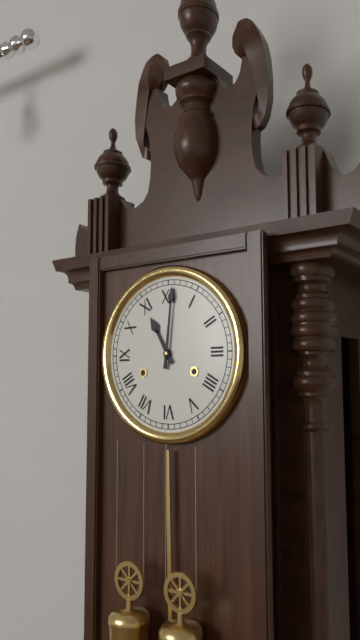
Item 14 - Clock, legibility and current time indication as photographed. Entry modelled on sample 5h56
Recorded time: 11h01
